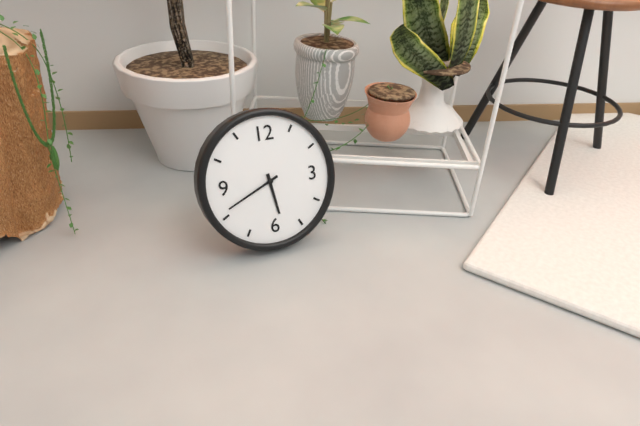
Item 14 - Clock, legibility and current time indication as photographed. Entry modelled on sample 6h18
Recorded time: 5h41
